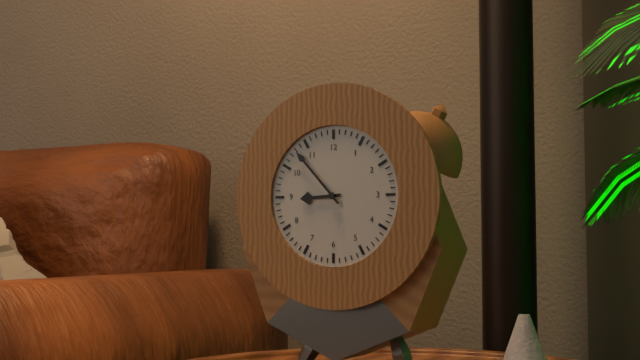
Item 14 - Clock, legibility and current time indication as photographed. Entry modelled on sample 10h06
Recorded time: 8h53
